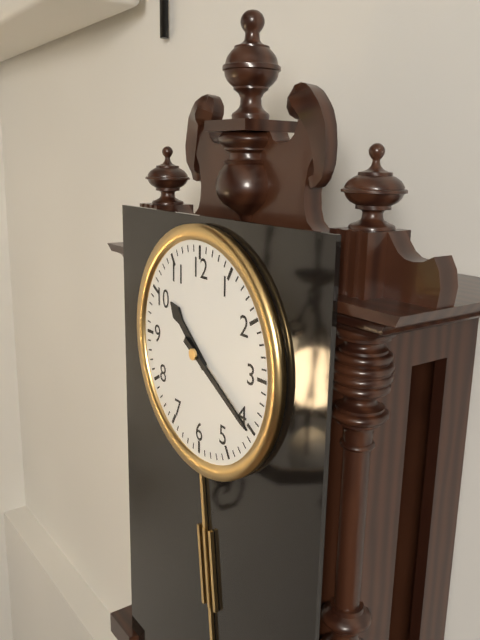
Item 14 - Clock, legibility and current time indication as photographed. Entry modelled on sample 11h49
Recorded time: 10h20
